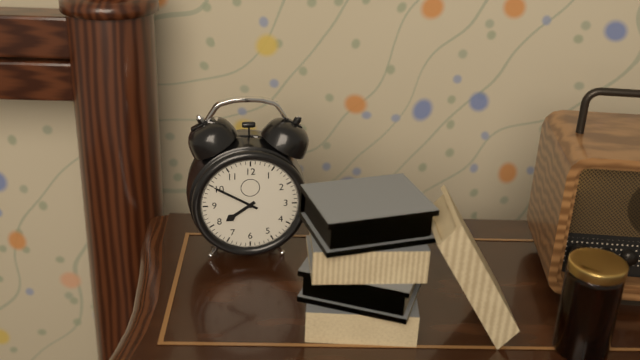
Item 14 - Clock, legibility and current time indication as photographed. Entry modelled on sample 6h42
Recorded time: 7h50
